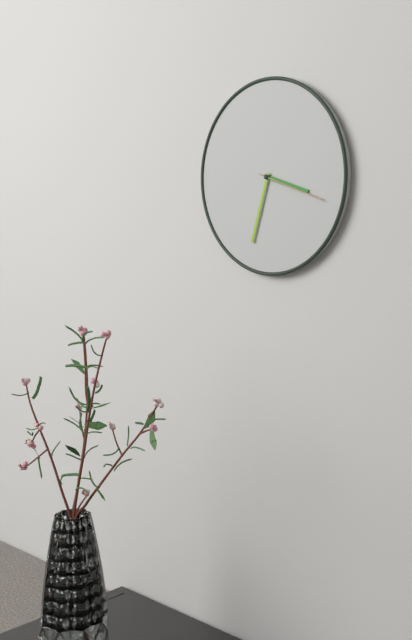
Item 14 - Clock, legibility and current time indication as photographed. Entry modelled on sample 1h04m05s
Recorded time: 3h33m18s
